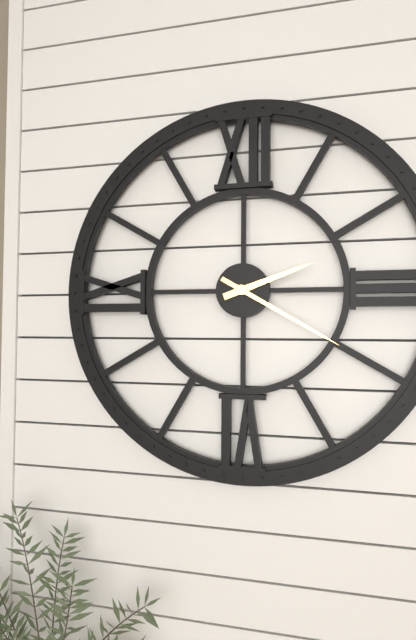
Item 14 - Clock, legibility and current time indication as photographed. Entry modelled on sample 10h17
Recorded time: 2h20
